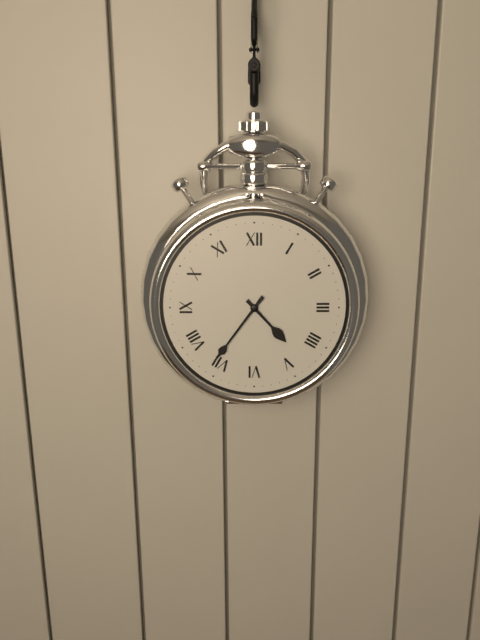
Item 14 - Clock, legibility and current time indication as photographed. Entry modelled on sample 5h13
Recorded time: 4h36
